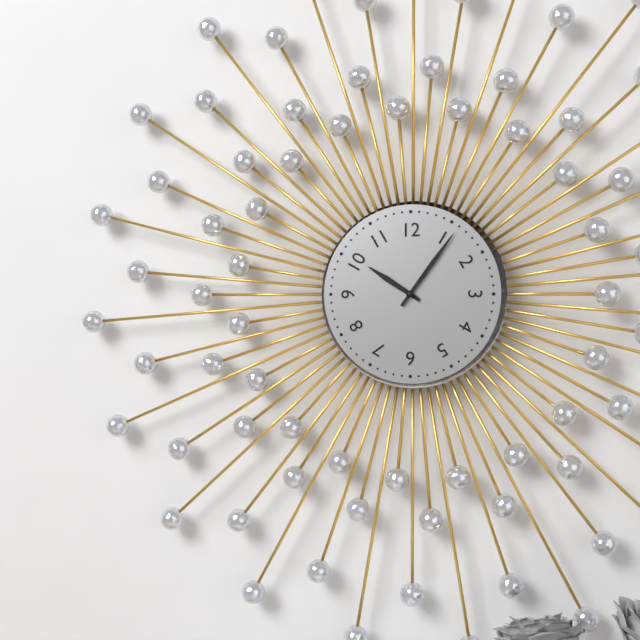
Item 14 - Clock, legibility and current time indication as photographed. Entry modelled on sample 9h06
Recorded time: 10h06
